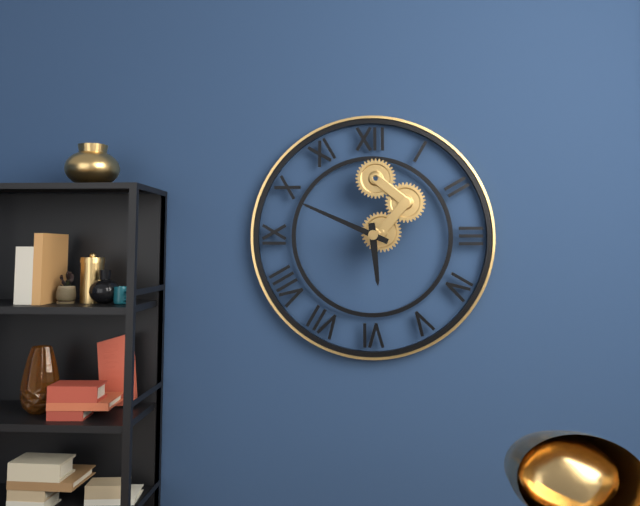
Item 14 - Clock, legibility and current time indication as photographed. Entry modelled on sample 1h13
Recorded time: 5h49
